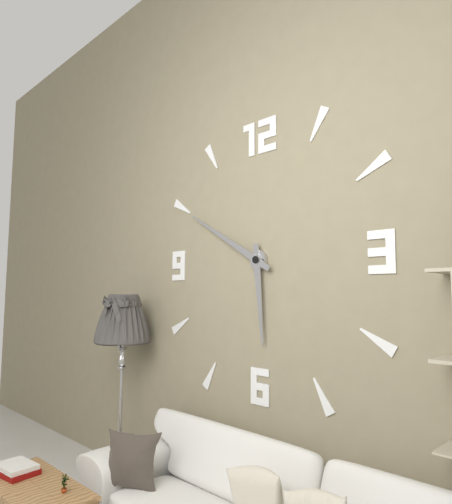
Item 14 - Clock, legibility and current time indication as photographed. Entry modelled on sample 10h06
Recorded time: 5h50
